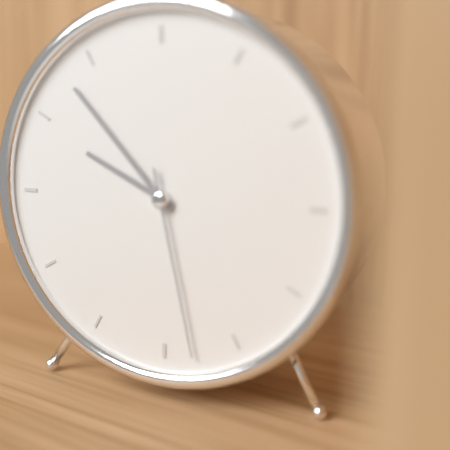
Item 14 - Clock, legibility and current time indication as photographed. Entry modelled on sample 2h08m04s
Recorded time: 9h53m28s
